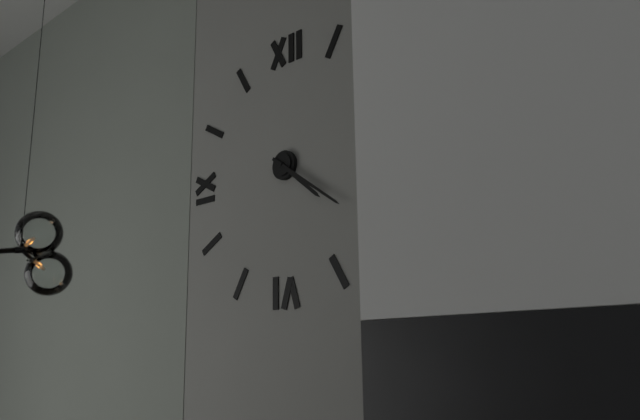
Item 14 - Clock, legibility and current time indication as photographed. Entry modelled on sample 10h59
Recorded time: 4h21
